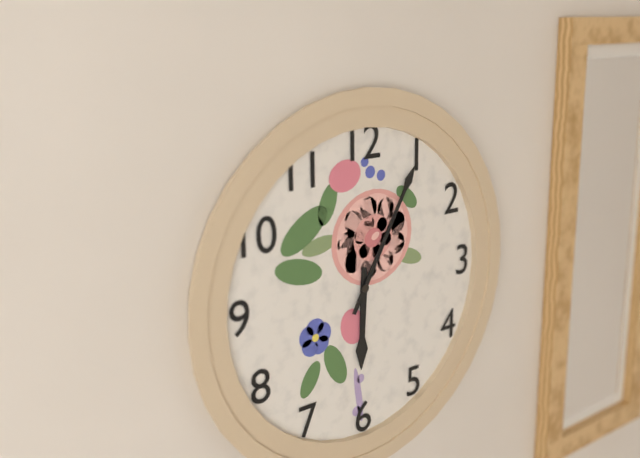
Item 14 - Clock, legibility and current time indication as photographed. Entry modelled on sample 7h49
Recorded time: 6h05
